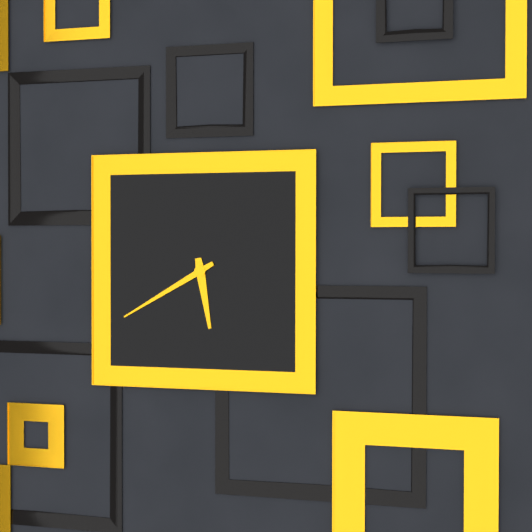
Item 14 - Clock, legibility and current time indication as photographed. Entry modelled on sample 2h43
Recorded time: 5h40
